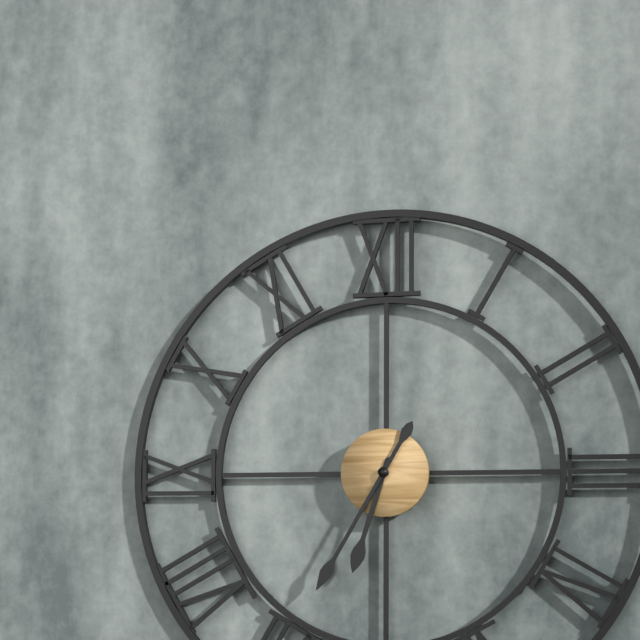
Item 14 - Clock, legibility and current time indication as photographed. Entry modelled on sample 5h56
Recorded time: 6h35
